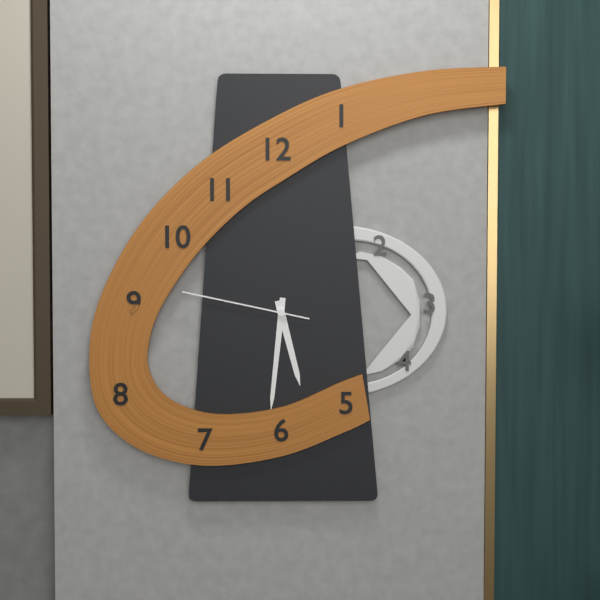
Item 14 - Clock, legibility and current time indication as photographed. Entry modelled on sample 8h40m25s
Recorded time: 5h31m47s
